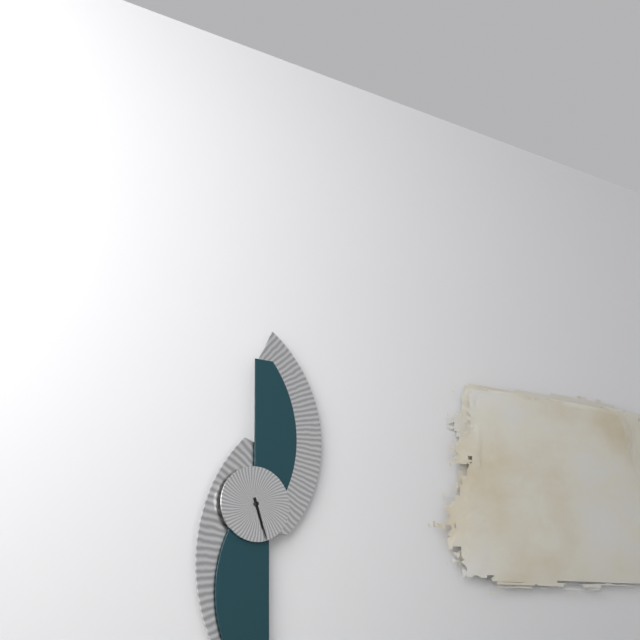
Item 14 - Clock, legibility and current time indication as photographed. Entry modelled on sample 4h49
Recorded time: 5h27
